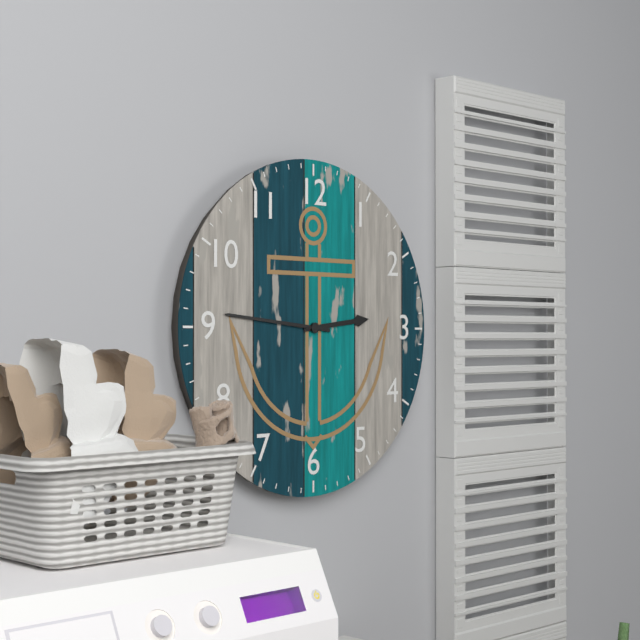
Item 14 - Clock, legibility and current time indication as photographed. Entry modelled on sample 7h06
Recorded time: 2h46
